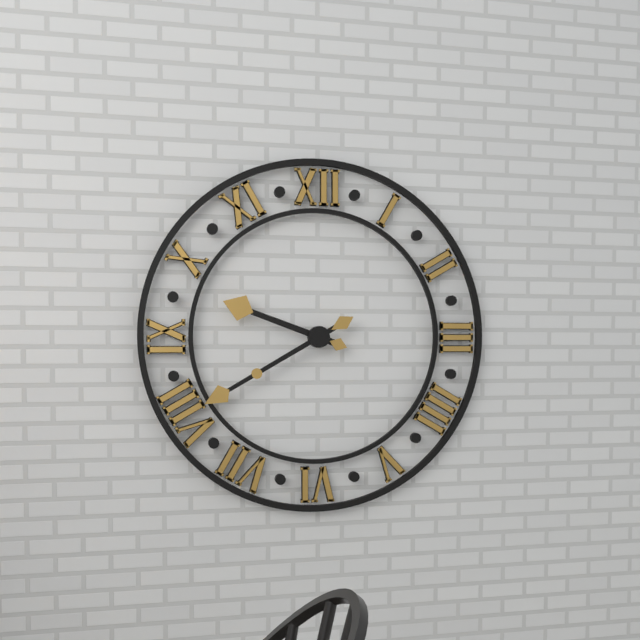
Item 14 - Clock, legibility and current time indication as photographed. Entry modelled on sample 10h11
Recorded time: 9h40
